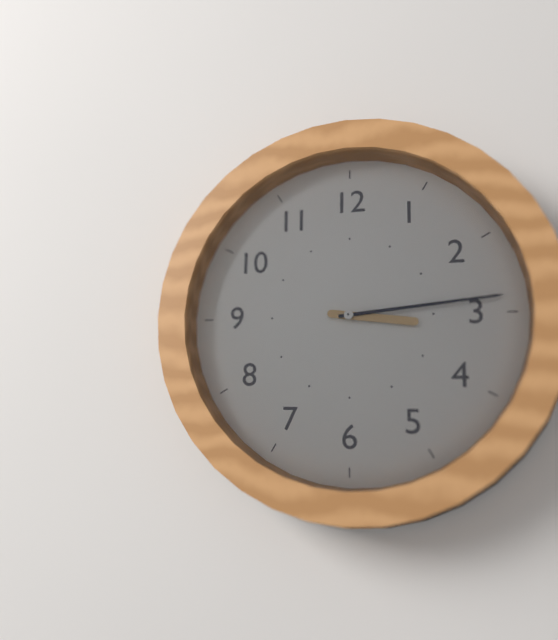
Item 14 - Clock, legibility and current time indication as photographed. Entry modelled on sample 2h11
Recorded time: 3h14
